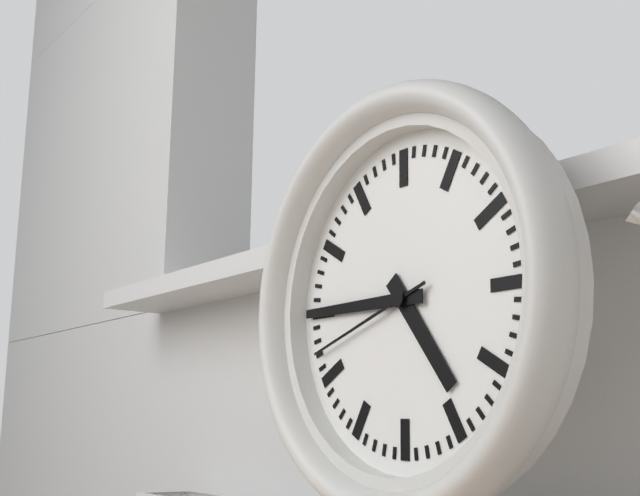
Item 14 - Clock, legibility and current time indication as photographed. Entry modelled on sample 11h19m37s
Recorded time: 4h45m42s
